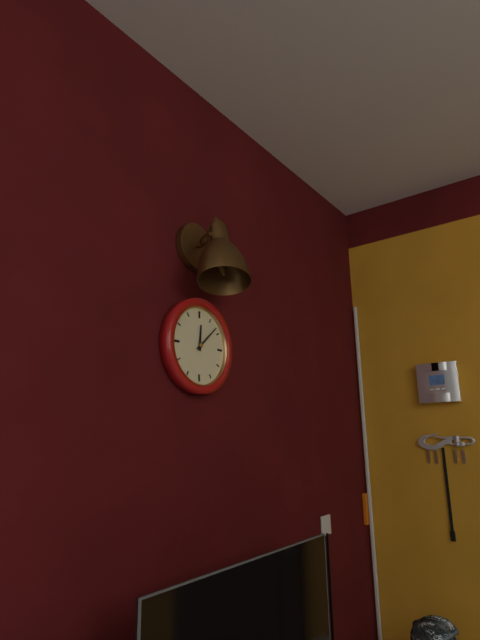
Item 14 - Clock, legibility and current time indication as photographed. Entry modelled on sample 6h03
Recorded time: 12h08
